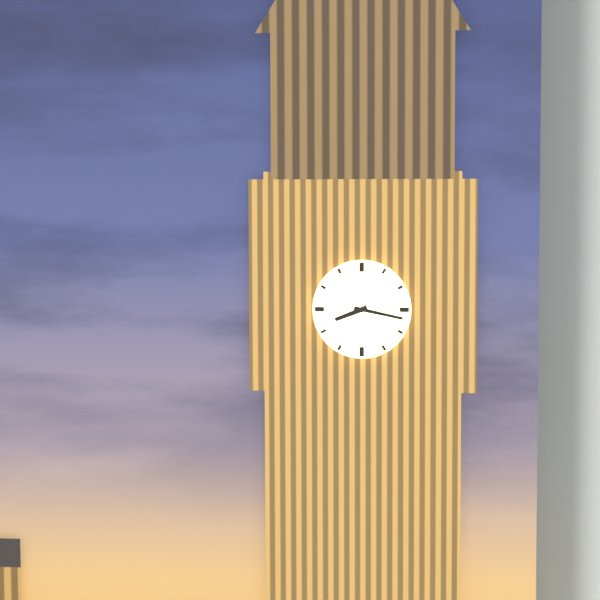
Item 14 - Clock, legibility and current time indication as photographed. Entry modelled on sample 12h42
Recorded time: 8h17
